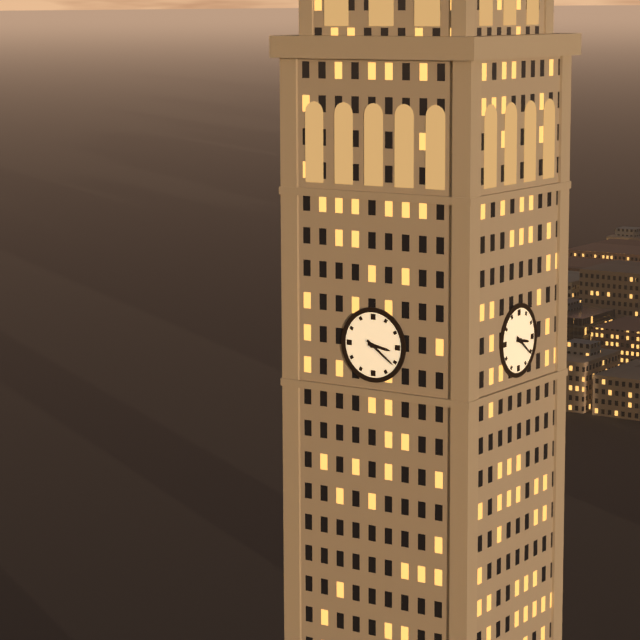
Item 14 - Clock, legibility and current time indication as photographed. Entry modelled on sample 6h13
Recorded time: 3h21
